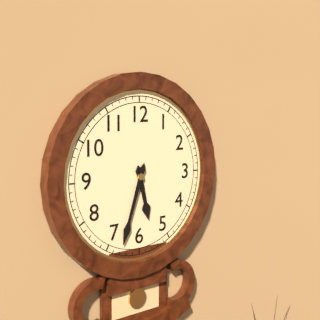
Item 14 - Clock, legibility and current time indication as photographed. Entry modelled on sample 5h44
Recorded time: 5h33
